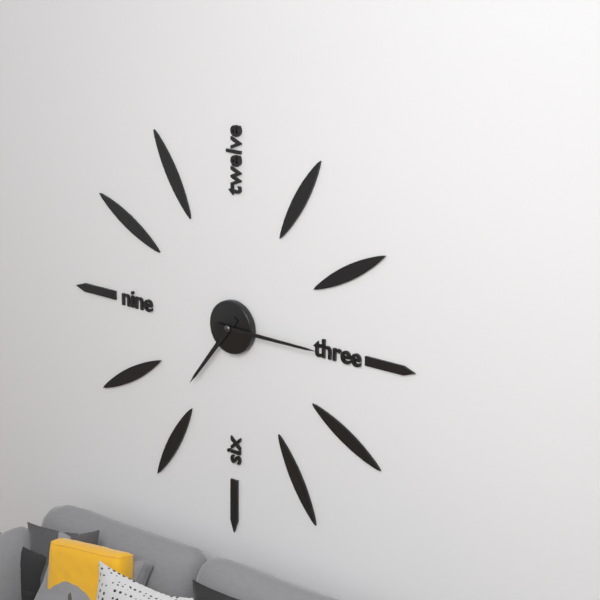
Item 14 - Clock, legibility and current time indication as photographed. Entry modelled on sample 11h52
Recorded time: 7h15
